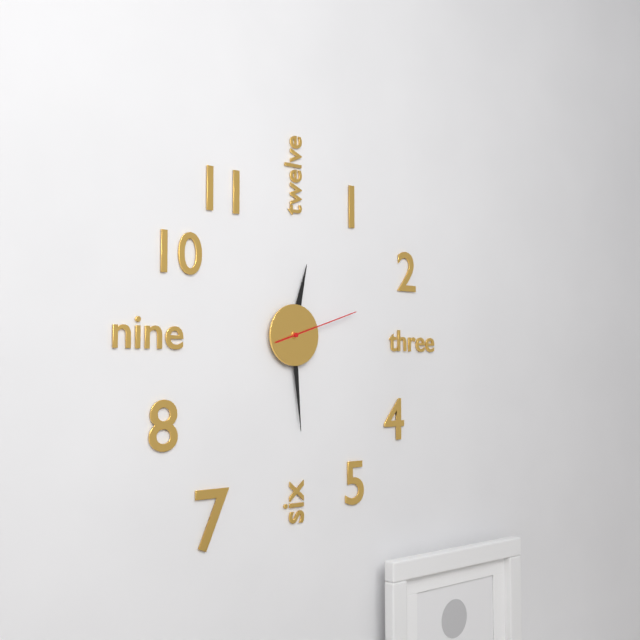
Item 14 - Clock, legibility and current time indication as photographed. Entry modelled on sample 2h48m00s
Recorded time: 12h29m12s
